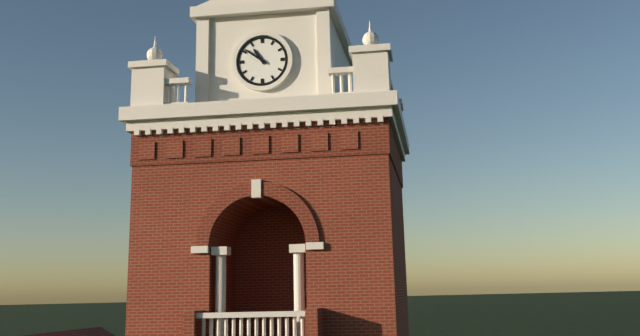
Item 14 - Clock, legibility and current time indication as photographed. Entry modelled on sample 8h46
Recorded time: 10h51
